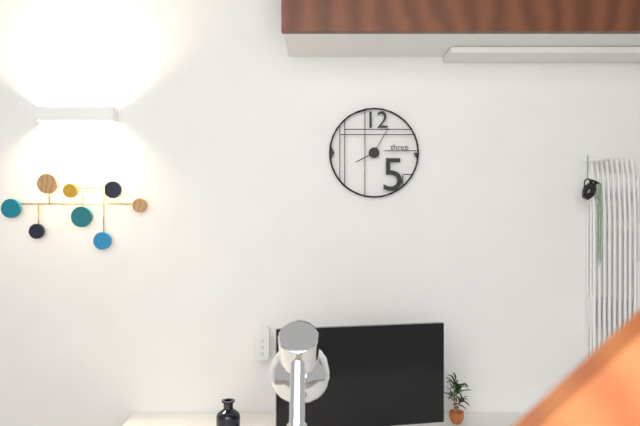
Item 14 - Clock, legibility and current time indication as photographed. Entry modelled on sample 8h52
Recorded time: 8h05
